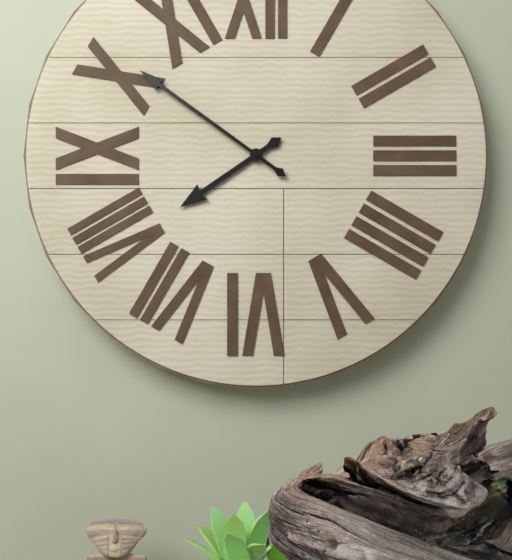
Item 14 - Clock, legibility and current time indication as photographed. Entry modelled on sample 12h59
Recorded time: 7h51
